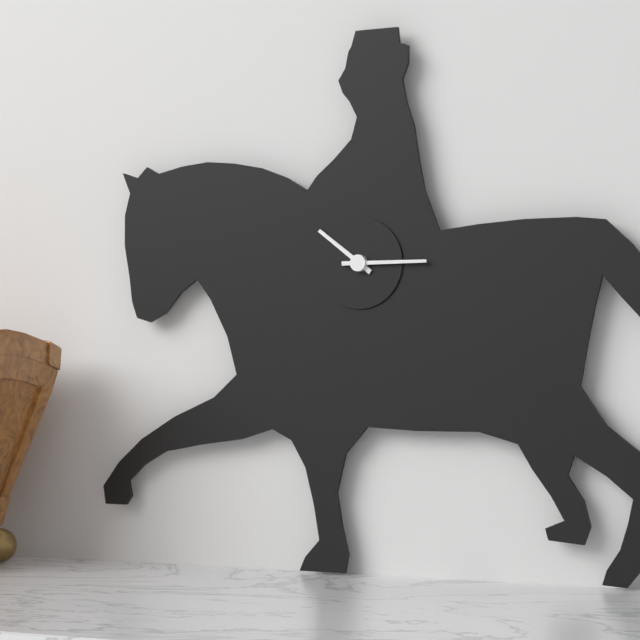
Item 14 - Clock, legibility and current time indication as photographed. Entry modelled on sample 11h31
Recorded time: 10h15
